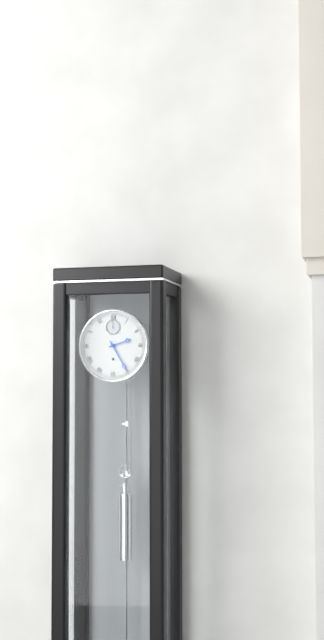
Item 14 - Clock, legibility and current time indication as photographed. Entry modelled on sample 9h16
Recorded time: 2h25
